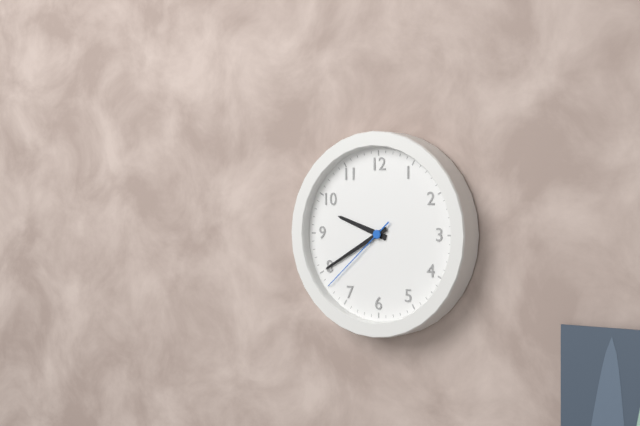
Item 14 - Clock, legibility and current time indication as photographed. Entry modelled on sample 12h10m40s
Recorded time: 9h40m38s
